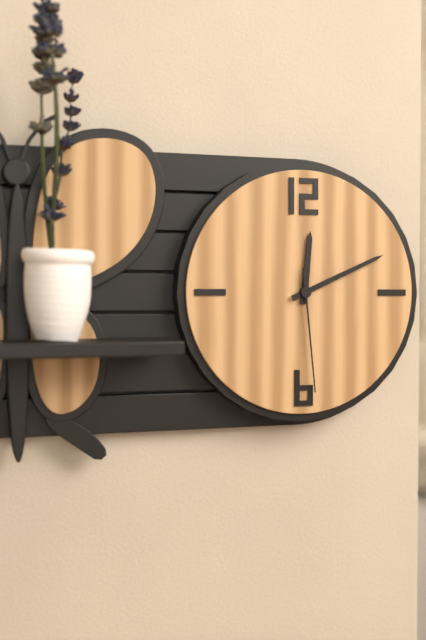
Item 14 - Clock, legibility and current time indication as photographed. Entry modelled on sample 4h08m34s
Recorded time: 12h11m29s
